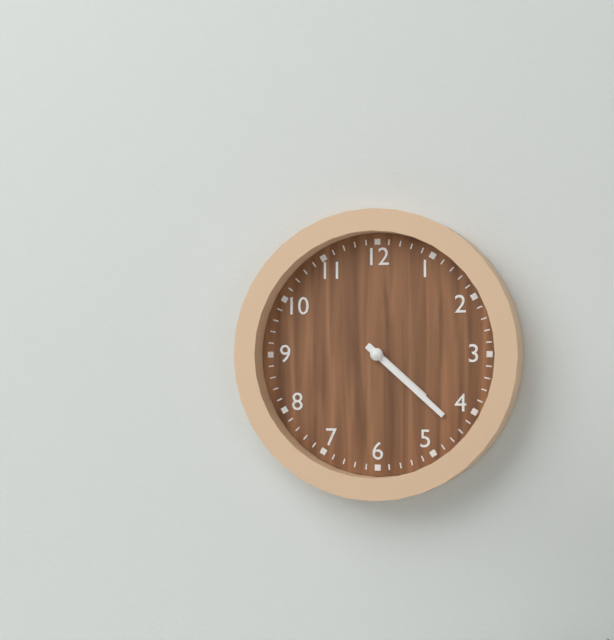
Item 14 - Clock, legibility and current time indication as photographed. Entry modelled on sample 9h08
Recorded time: 4h22
